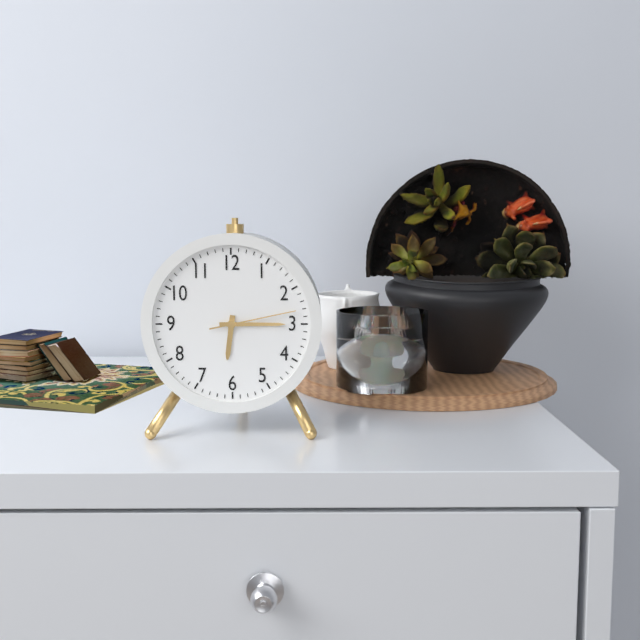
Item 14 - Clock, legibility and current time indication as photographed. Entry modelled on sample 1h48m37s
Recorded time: 6h15m13s
